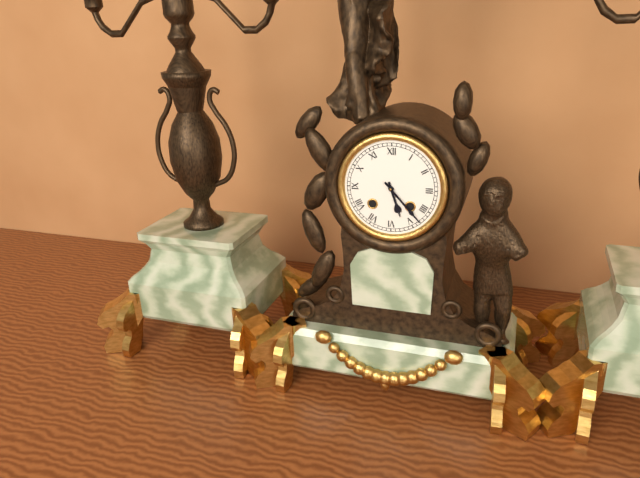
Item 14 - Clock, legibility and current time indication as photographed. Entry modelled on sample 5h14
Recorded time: 5h23
